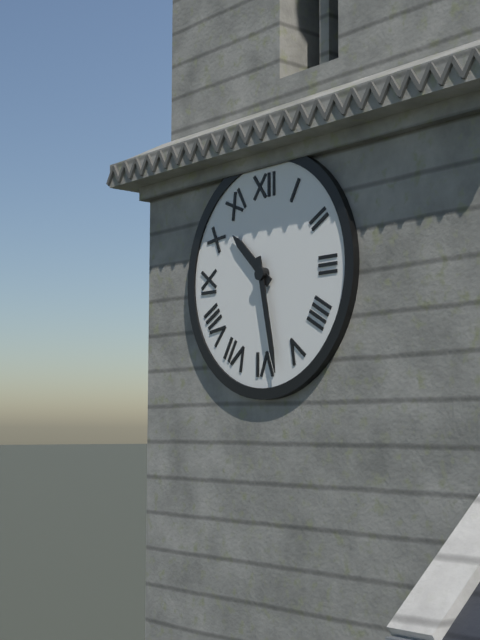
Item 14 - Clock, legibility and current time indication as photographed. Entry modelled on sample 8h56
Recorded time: 10h28
